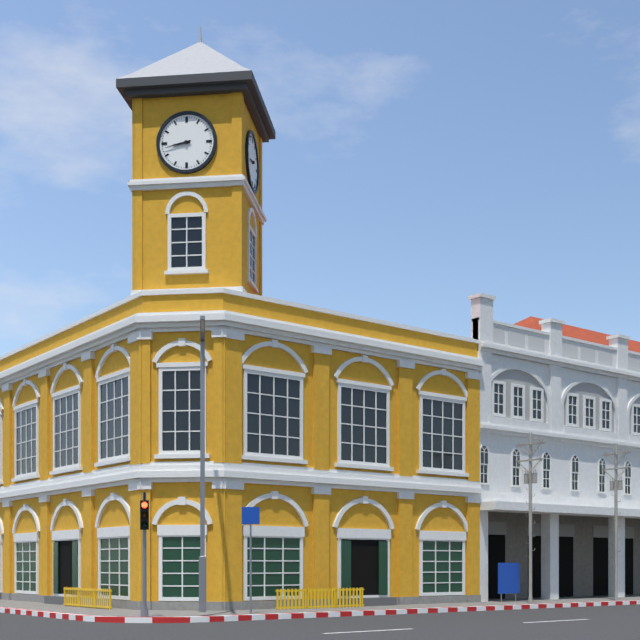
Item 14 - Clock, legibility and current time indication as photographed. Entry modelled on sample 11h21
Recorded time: 8h43
